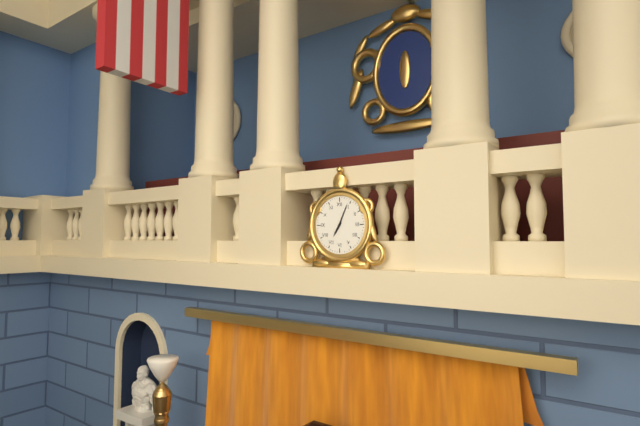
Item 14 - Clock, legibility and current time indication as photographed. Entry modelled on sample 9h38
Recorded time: 7h04
